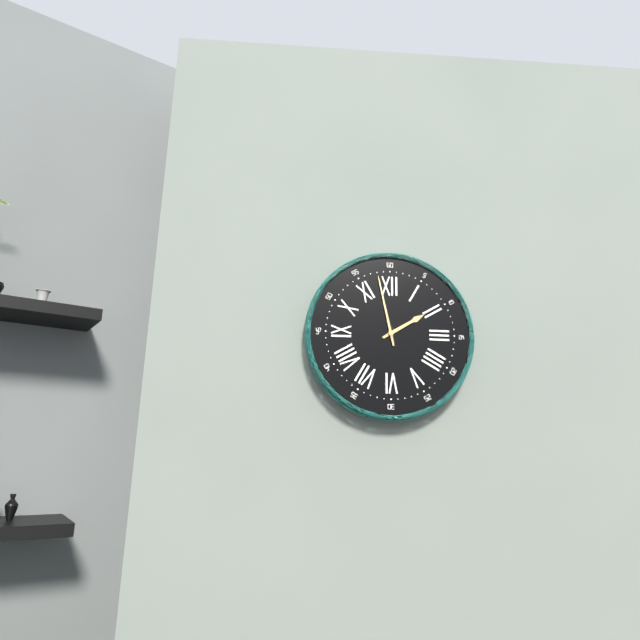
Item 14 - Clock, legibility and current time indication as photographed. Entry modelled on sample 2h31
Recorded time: 1h58
